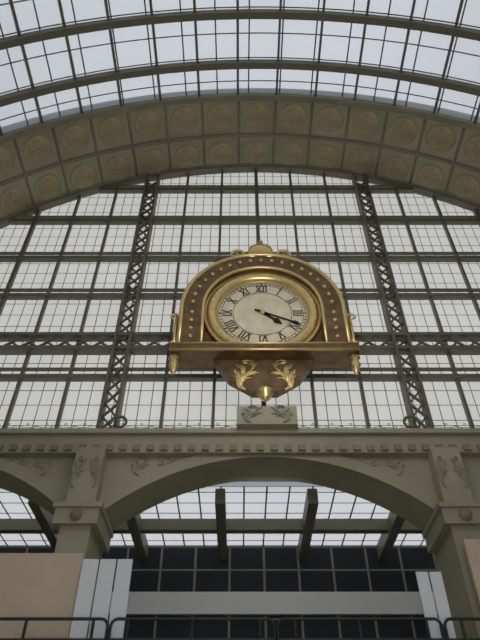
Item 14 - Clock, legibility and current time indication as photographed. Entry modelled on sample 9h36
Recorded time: 4h19
